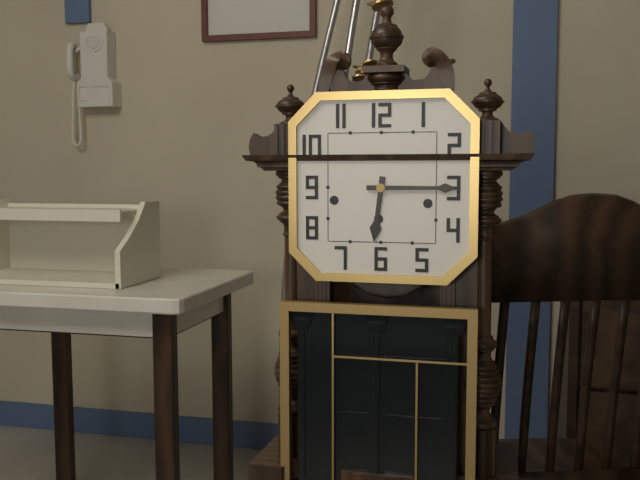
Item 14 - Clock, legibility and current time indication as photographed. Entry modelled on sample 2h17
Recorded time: 6h15
